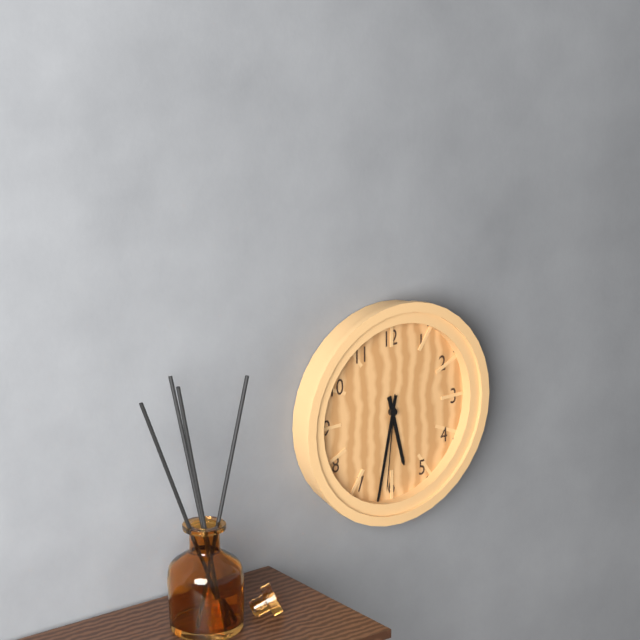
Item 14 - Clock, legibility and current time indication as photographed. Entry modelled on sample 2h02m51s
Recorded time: 5h32m31s
